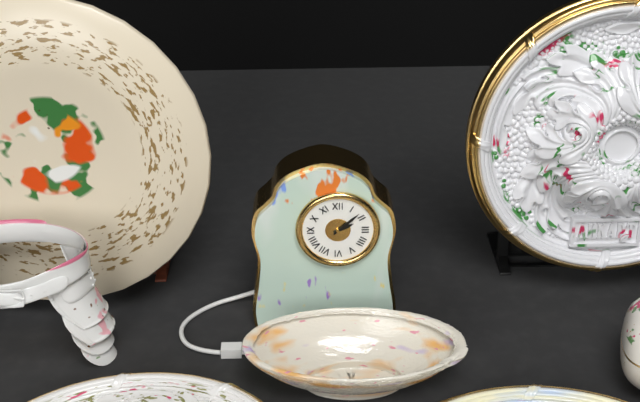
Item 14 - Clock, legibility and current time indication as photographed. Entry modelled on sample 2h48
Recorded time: 2h08
